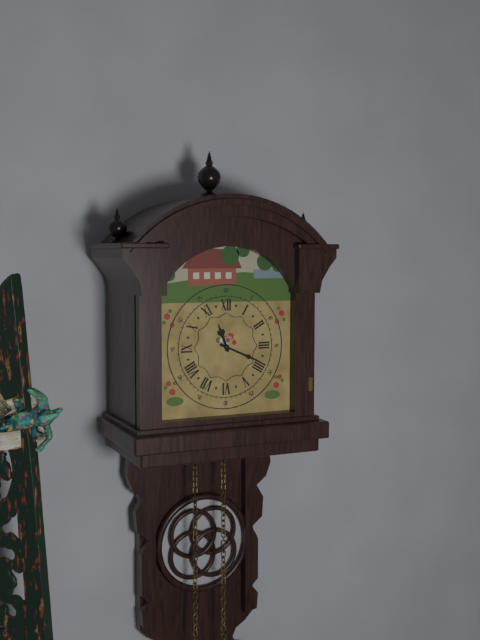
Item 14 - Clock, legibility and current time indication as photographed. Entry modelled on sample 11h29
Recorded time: 11h19
